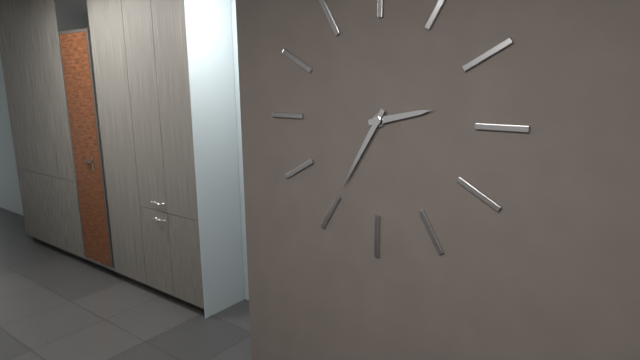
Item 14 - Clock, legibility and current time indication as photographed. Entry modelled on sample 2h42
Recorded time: 2h35
